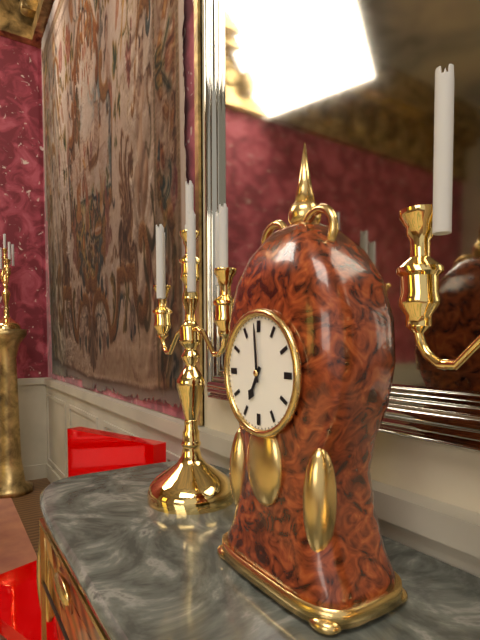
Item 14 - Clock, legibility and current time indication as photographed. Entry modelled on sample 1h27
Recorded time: 6h59
